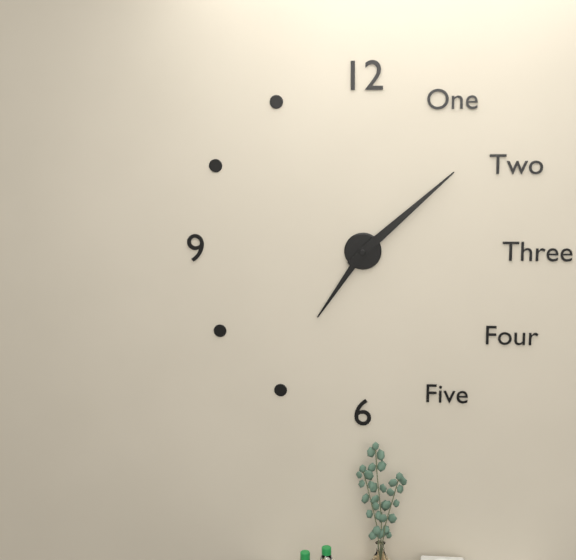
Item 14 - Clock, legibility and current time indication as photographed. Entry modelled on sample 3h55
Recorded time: 7h08
